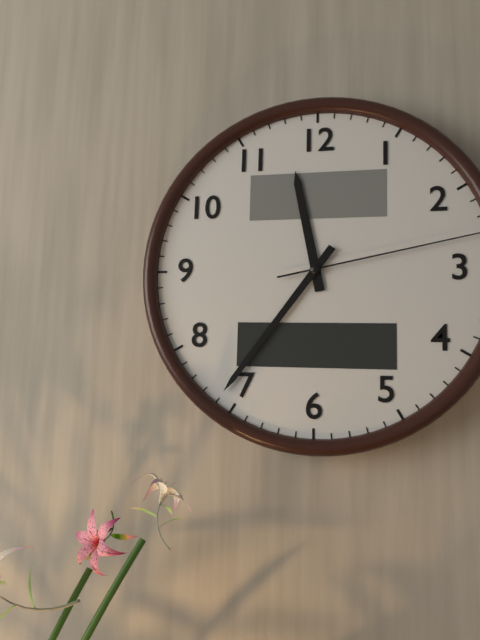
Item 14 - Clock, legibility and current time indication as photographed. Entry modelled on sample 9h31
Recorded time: 11h36
